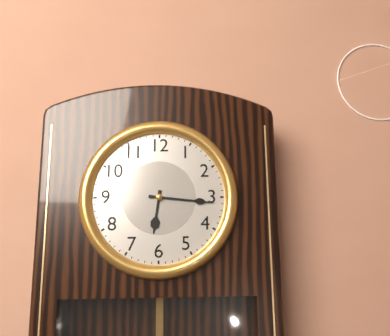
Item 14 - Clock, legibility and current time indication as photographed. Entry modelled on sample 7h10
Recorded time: 6h16
